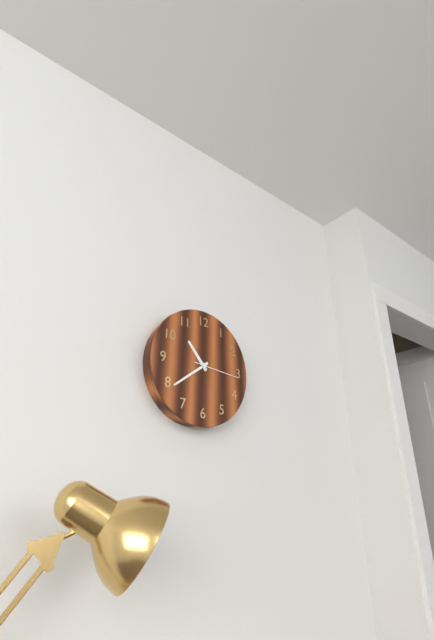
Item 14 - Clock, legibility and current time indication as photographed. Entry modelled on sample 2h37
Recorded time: 10h39
